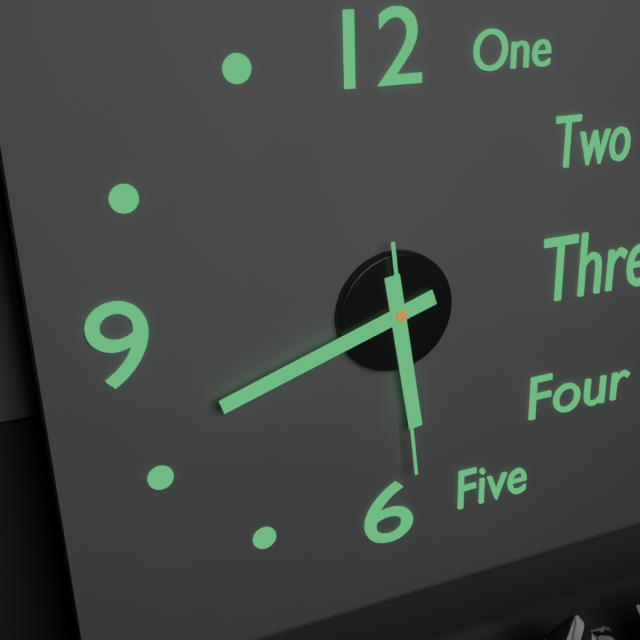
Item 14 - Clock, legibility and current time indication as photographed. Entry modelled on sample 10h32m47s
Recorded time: 5h42m29s
